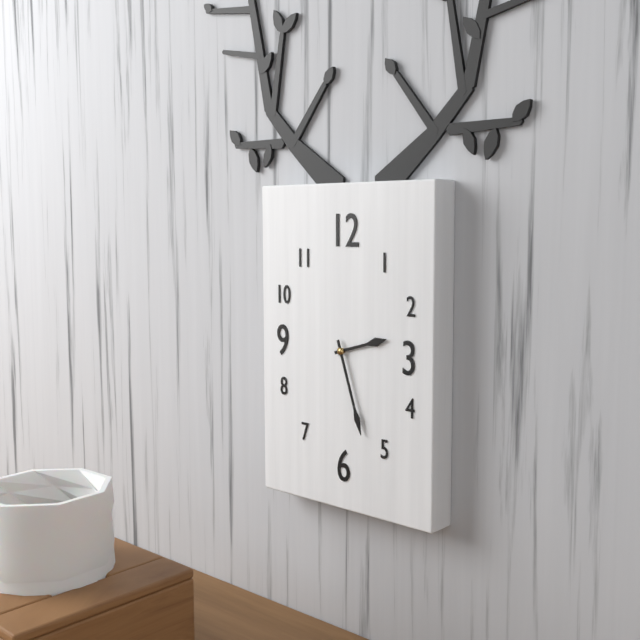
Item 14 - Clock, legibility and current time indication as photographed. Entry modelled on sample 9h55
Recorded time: 2h27
